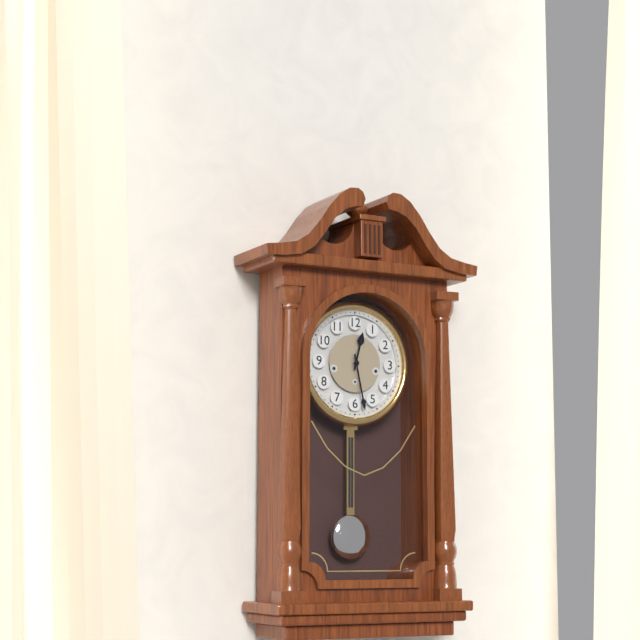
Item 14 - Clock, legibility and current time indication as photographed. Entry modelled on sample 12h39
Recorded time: 12h28
